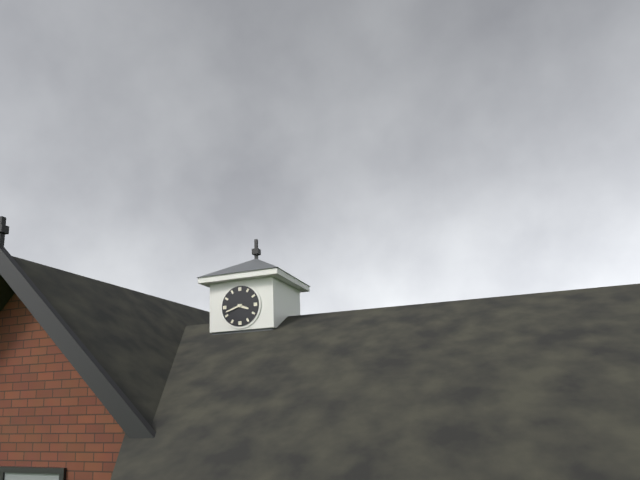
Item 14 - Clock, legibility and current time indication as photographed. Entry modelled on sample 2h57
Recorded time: 3h42
